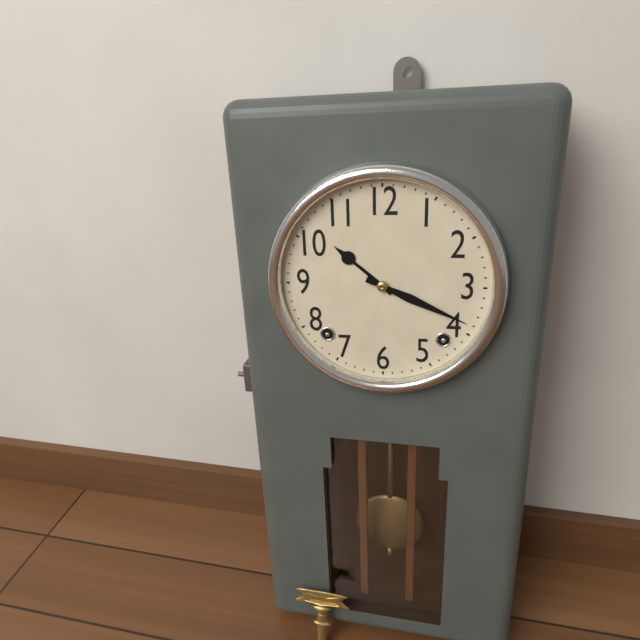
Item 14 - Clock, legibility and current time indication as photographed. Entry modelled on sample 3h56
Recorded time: 10h19
